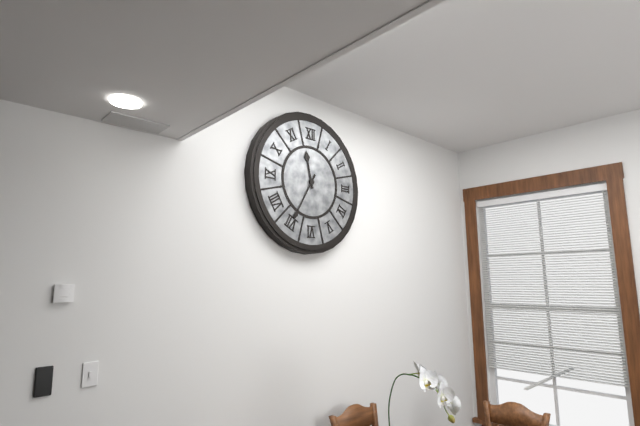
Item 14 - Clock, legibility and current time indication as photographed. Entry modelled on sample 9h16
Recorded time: 11h35
